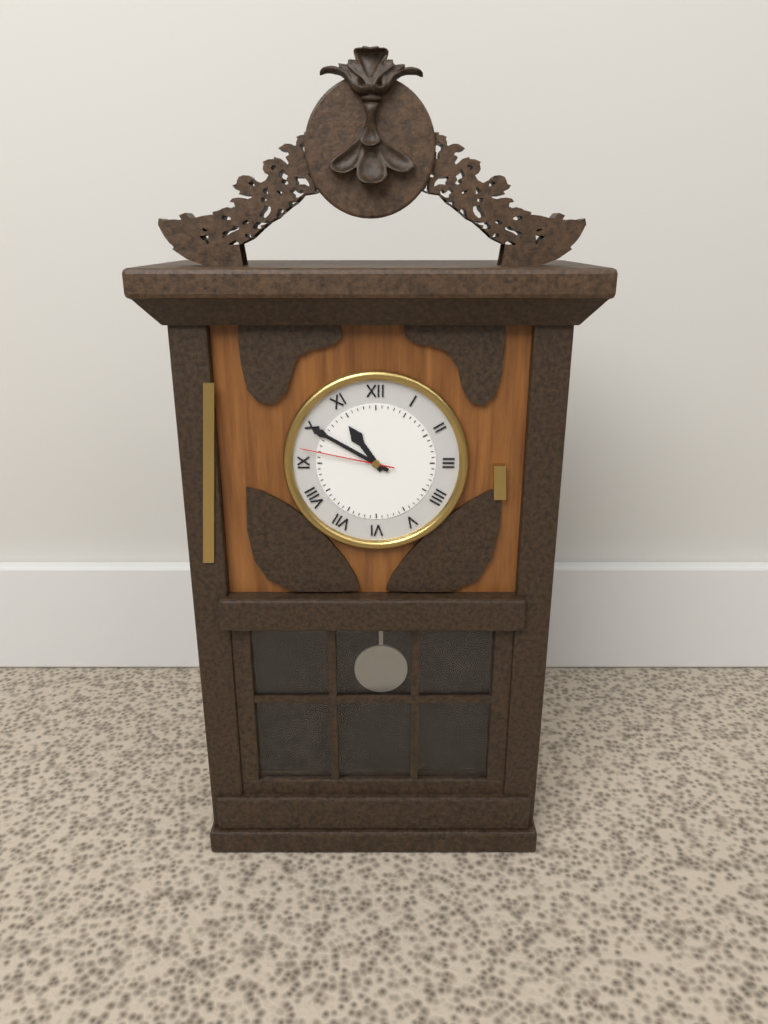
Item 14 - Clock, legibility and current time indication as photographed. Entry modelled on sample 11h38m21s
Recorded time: 10h50m47s
